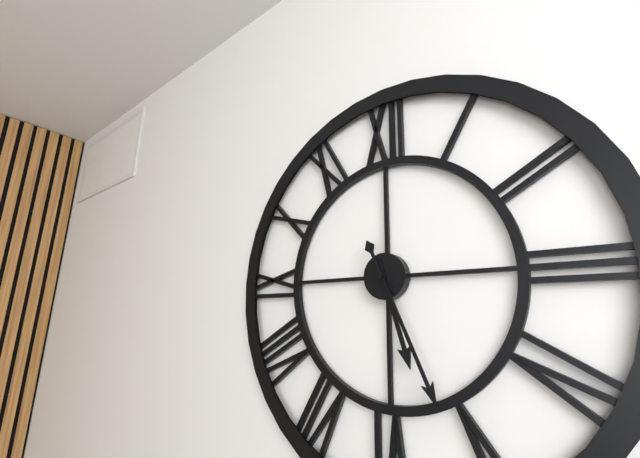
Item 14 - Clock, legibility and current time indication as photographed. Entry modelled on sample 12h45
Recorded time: 5h26
